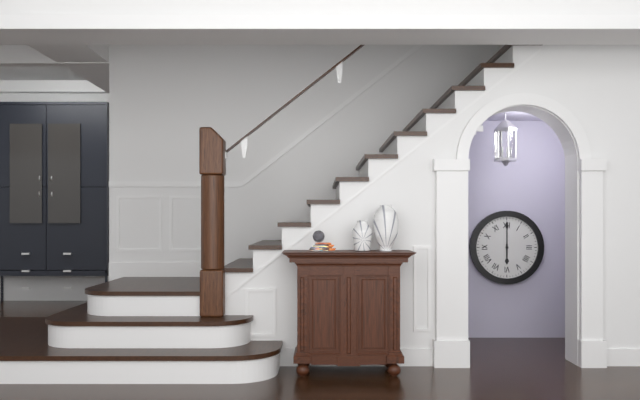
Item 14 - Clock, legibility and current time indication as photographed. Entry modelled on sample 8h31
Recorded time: 6h00
